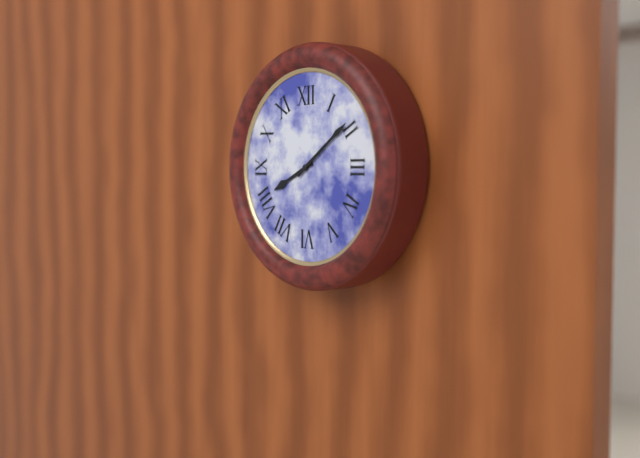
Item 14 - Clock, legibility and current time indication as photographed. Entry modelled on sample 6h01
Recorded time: 8h09
